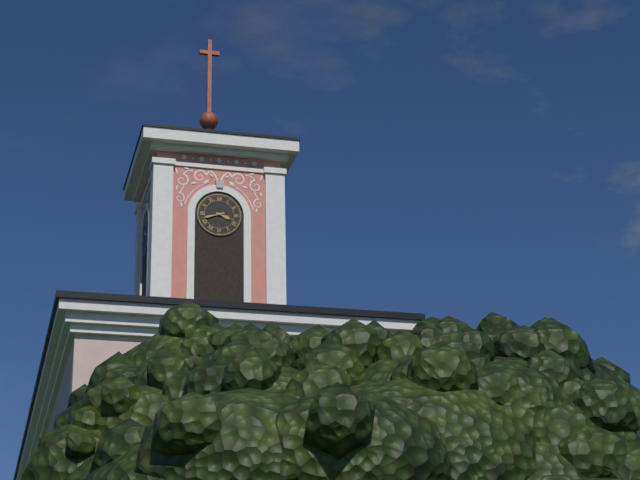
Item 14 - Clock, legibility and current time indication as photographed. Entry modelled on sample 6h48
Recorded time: 3h42
